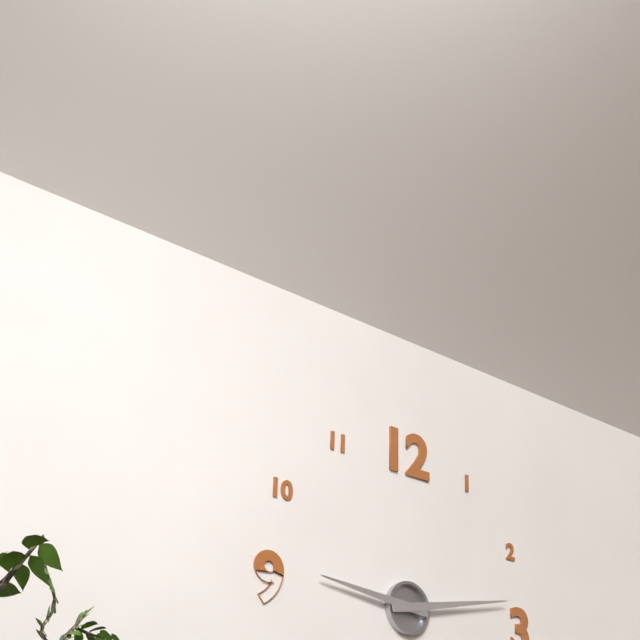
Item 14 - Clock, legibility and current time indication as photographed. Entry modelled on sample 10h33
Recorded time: 9h13
